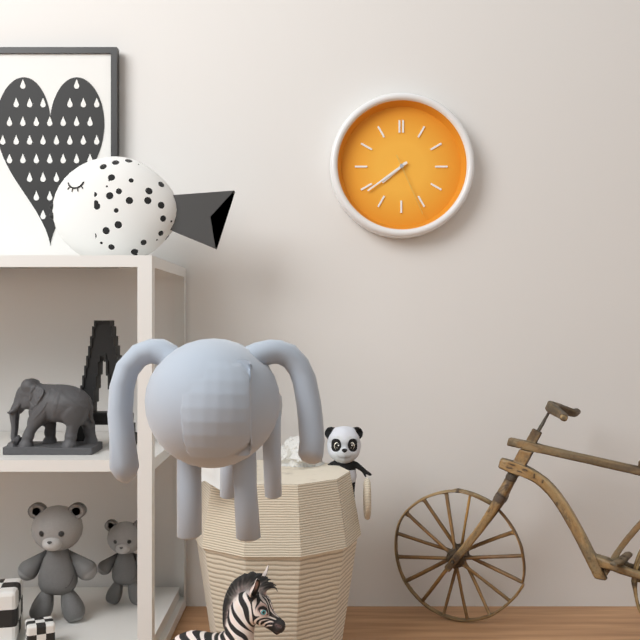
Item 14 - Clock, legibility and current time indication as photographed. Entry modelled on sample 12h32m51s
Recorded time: 7h39m26s
